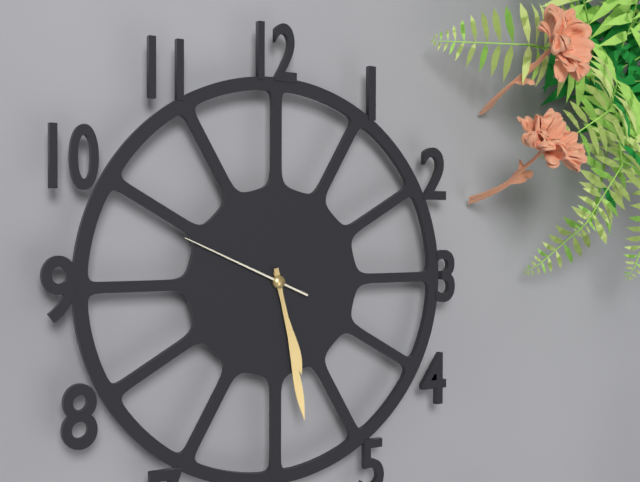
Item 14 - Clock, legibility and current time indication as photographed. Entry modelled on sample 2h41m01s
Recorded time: 5h28m49s
